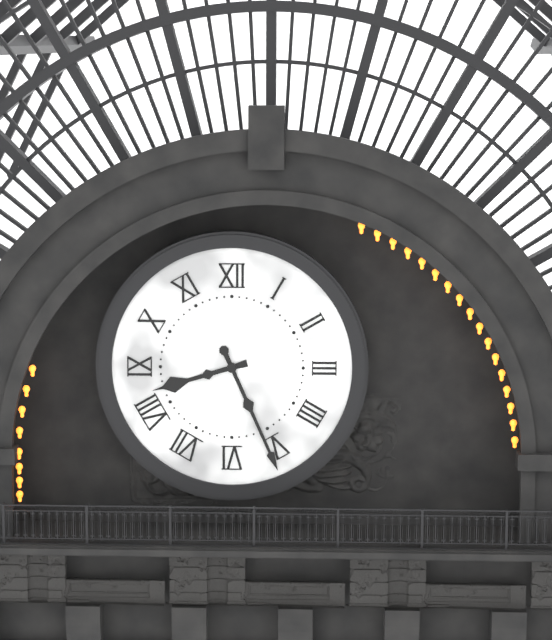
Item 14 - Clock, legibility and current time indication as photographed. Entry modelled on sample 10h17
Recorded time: 8h26
